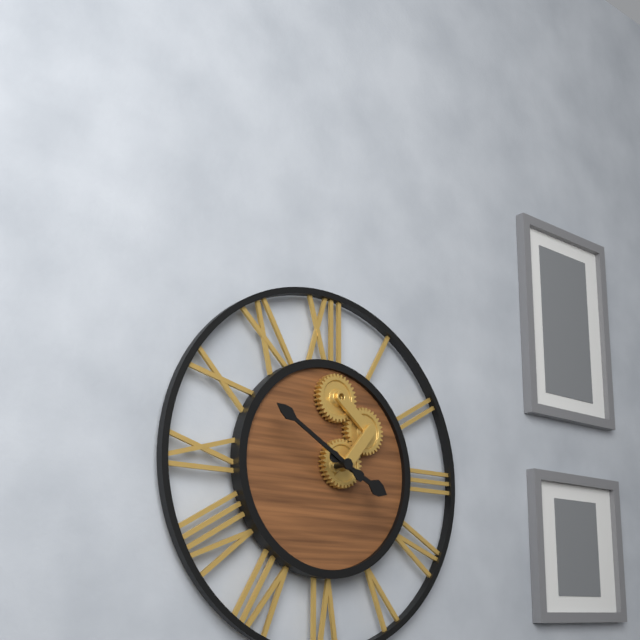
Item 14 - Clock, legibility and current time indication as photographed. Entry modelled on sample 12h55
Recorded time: 3h50
